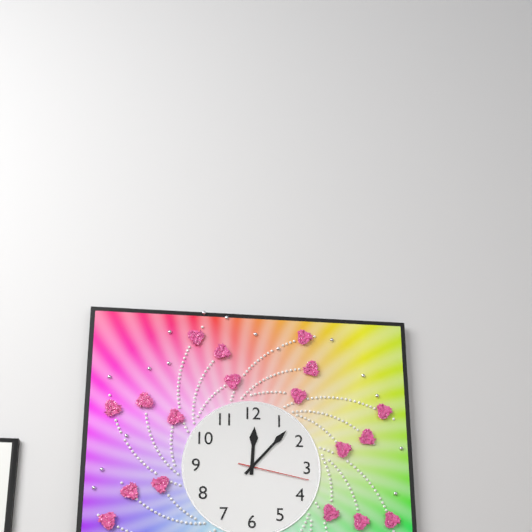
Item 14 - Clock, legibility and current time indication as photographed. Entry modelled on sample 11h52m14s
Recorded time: 12h07m17s
